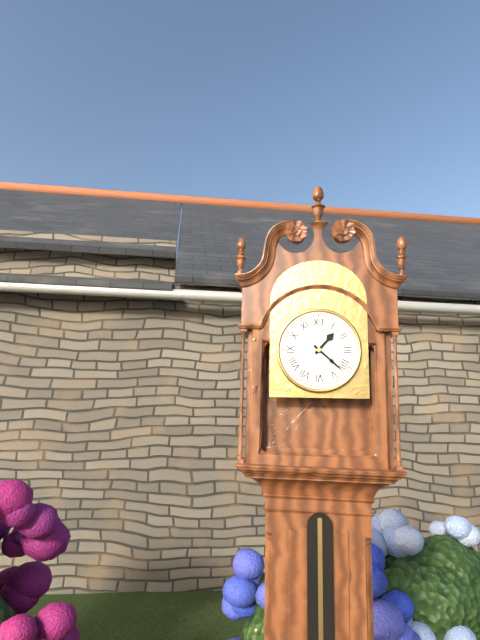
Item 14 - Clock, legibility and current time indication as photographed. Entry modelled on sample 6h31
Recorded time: 1h22
